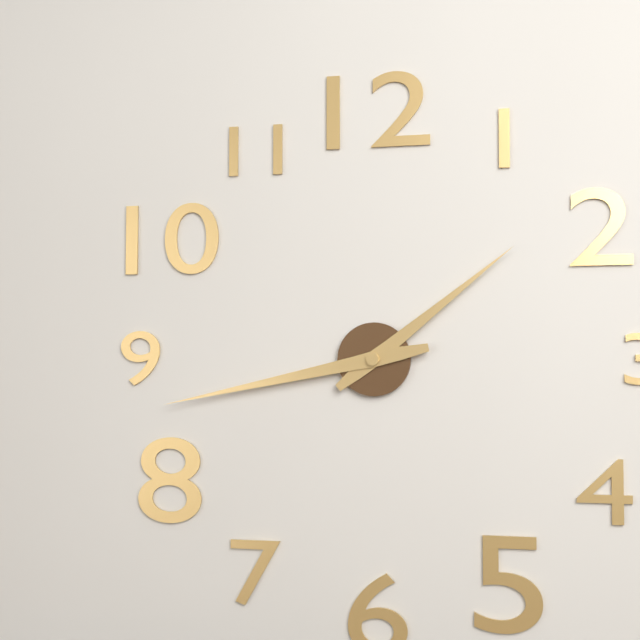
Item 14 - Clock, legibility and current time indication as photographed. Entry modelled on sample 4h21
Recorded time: 1h43
